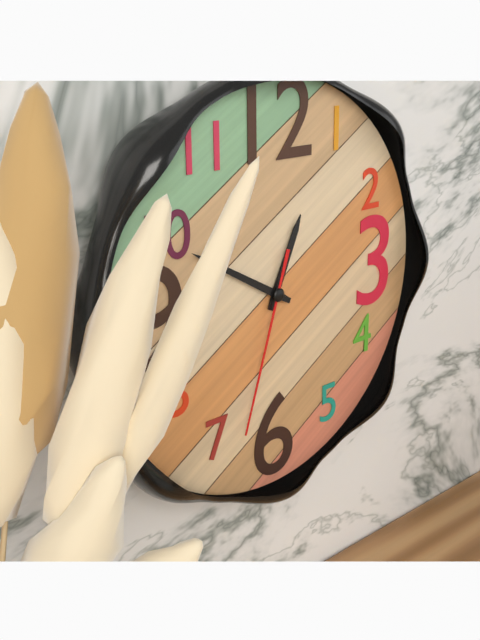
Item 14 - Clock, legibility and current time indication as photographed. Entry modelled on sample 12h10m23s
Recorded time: 12h50m33s
